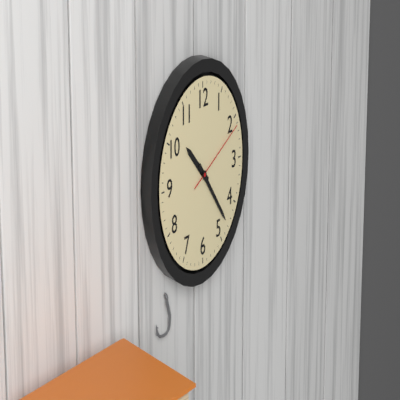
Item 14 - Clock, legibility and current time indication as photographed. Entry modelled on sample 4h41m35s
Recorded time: 10h23m11s
